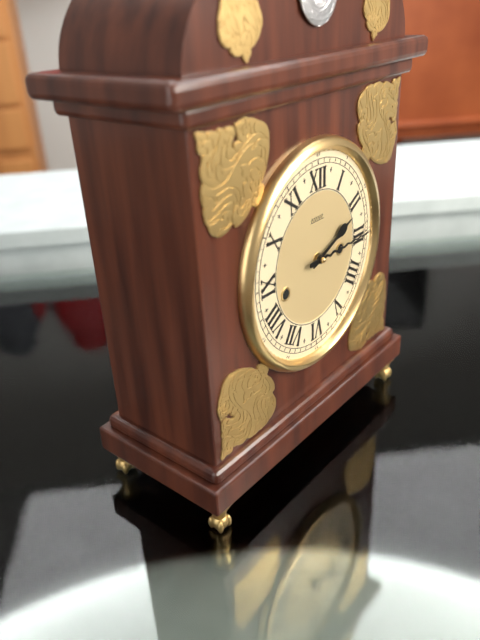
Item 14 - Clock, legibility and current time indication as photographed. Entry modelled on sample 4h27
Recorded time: 2h15
